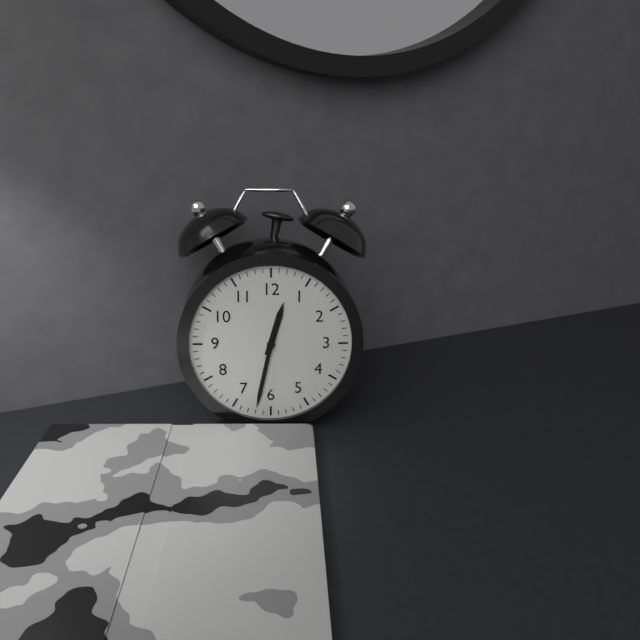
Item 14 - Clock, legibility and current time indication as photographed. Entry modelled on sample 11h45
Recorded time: 12h32
